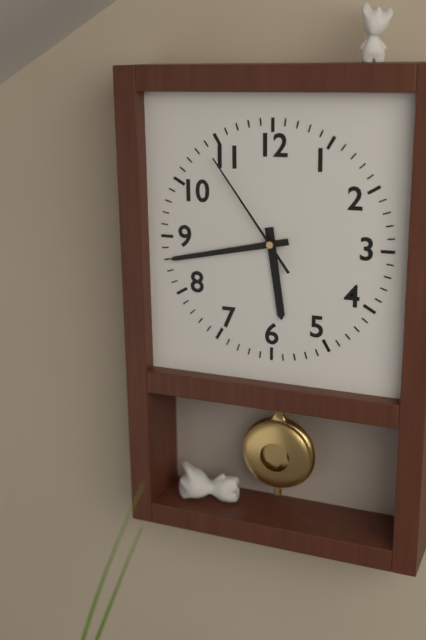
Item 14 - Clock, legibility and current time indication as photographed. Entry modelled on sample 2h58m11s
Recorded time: 5h43m54s
